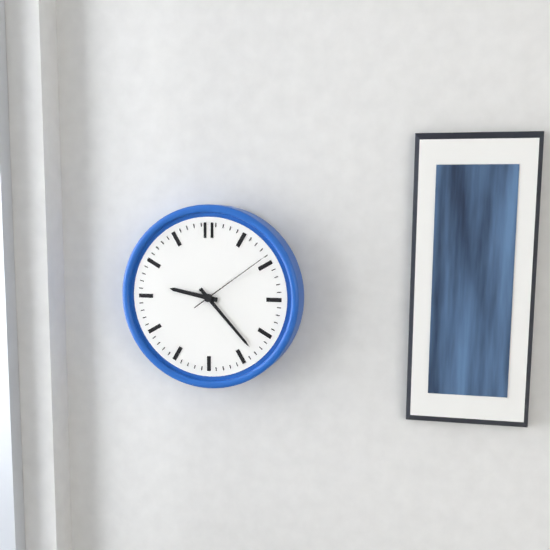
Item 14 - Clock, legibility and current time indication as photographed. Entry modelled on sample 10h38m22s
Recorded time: 9h23m09s
